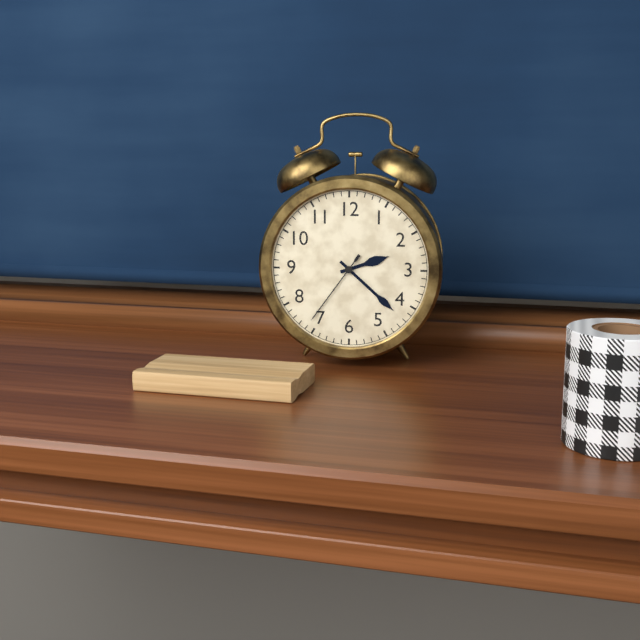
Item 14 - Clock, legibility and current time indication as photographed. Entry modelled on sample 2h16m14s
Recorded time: 2h22m36s
